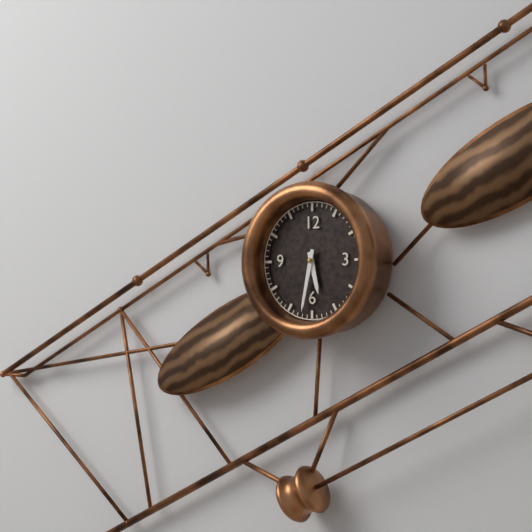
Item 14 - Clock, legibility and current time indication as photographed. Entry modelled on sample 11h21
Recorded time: 5h32
